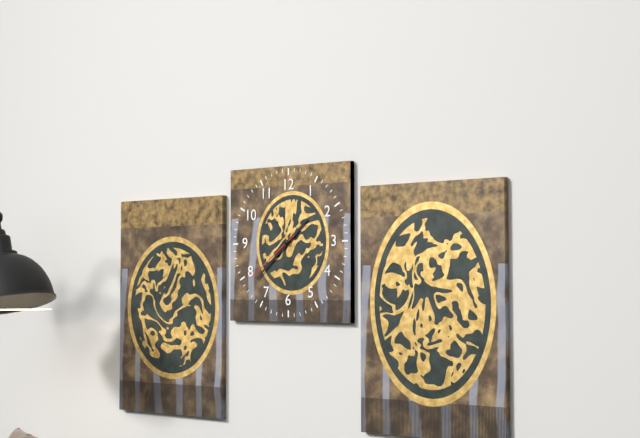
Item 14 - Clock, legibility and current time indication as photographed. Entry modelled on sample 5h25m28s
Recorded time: 1h38m39s
